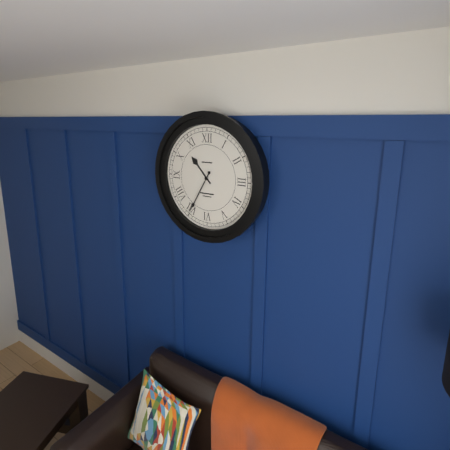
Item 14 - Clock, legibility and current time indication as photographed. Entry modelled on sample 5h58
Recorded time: 10h35
